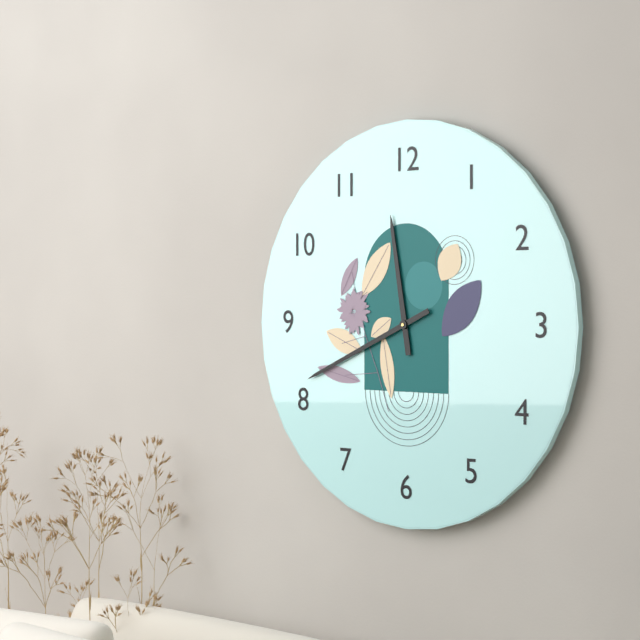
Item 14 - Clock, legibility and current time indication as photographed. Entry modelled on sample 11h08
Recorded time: 11h41
